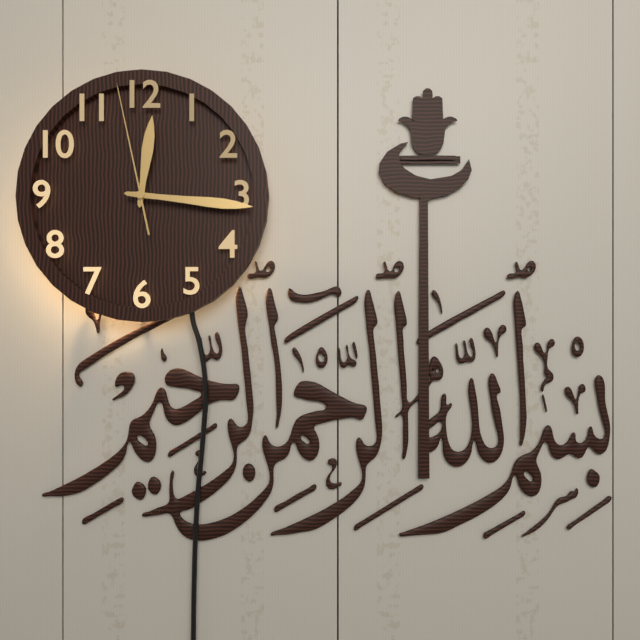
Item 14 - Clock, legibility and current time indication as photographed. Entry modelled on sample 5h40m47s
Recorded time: 12h16m58s
